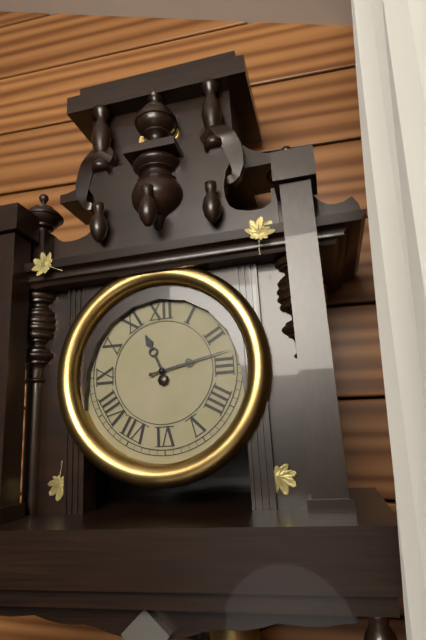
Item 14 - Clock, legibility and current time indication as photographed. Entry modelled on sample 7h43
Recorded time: 11h13
